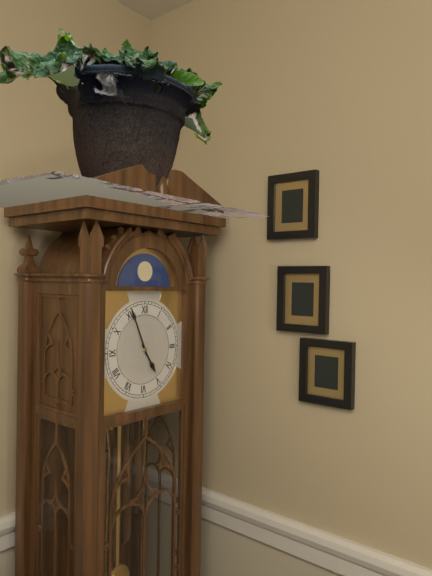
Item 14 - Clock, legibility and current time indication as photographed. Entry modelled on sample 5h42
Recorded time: 4h56
